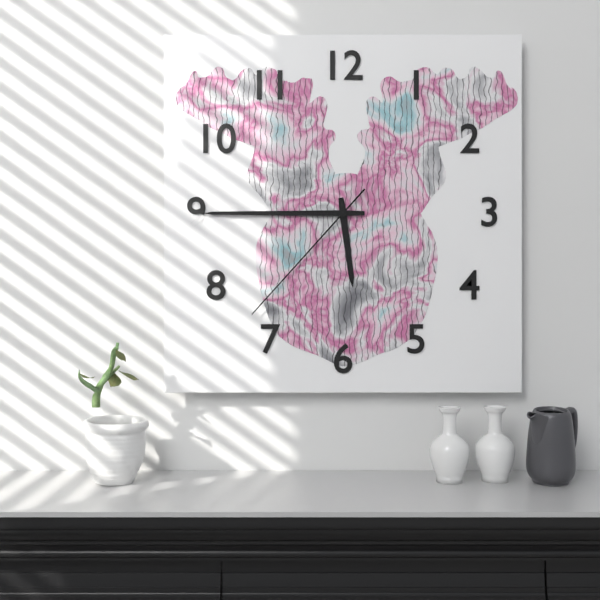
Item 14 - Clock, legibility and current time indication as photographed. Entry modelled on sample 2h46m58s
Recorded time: 5h45m37s
